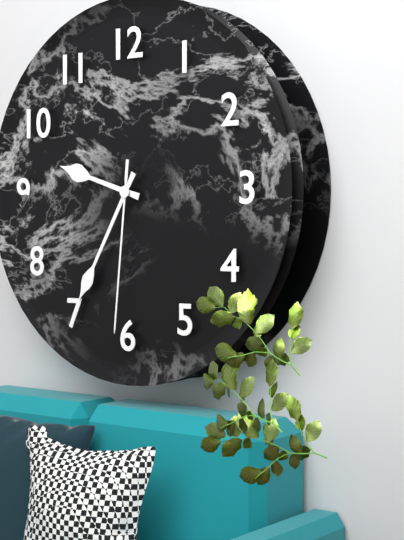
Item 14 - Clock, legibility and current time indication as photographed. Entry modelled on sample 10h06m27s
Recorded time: 9h35m31s
